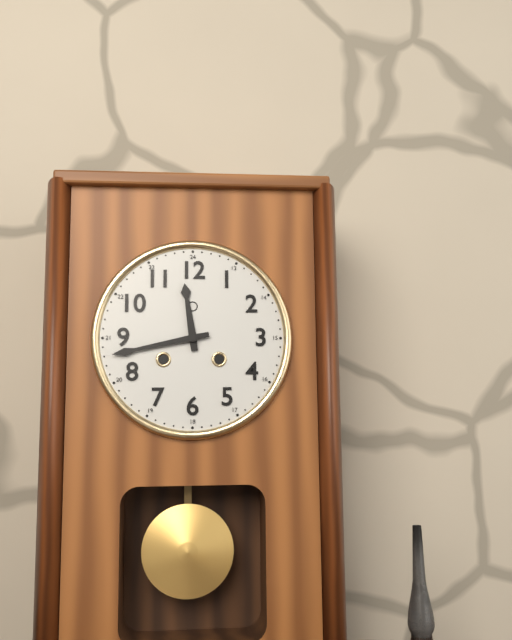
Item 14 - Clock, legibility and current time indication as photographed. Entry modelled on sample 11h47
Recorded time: 11h43
